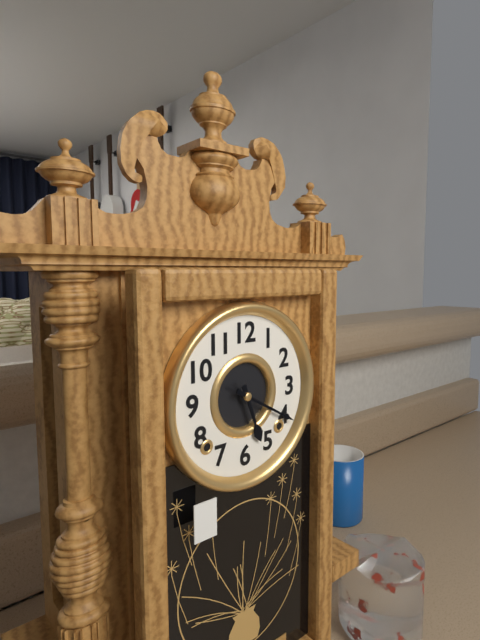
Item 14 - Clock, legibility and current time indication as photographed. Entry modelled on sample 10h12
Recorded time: 5h20
